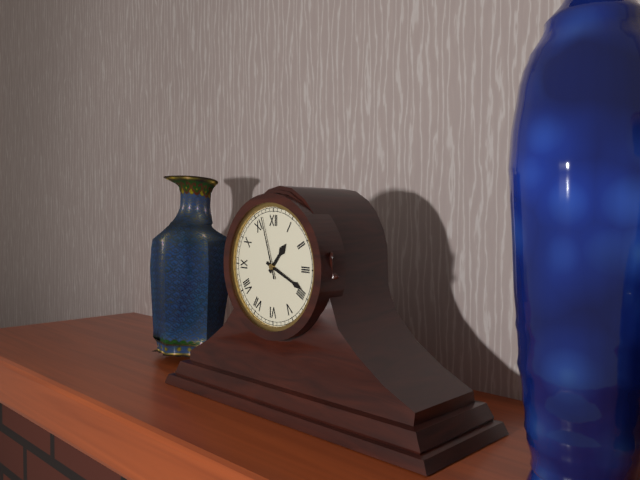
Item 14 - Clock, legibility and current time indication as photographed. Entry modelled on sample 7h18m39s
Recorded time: 1h19m57s
